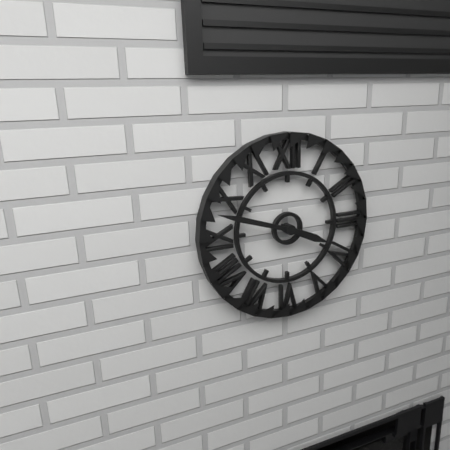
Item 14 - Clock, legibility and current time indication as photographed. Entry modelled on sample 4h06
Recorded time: 3h48
